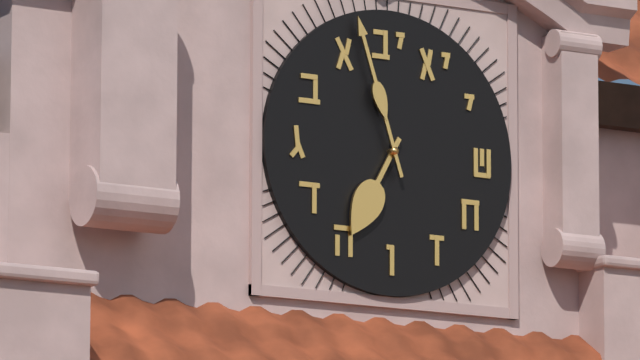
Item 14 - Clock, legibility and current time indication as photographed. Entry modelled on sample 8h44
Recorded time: 6h57
